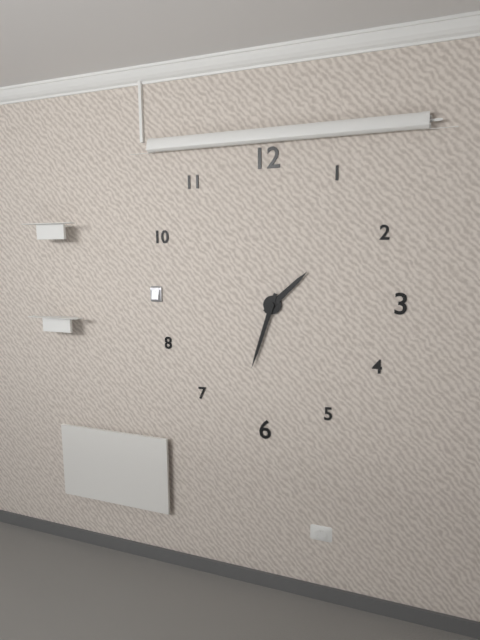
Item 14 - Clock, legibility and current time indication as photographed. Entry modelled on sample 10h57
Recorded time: 1h33
